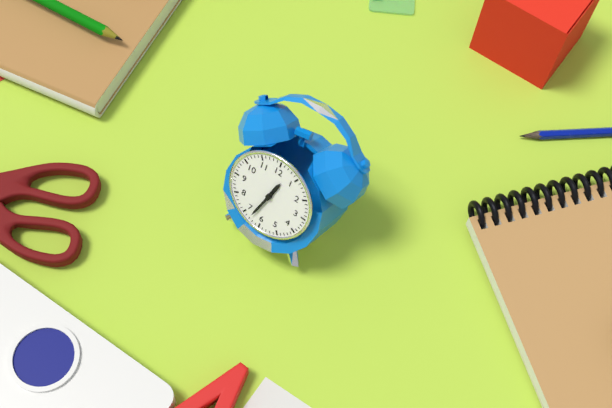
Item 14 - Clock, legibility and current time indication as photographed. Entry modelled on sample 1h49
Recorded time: 12h33
